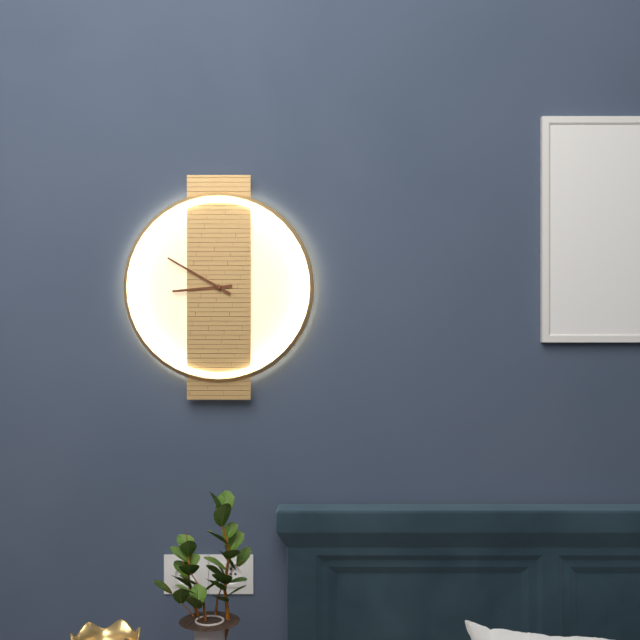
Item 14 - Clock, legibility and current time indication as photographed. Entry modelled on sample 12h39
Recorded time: 8h50
